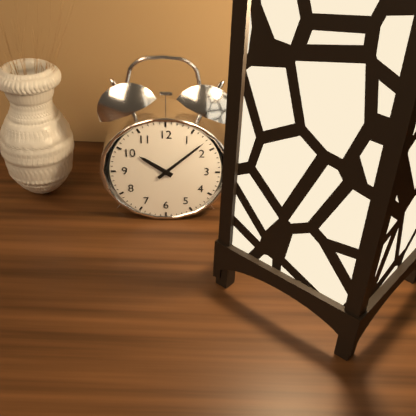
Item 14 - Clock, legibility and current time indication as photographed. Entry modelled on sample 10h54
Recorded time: 10h08
